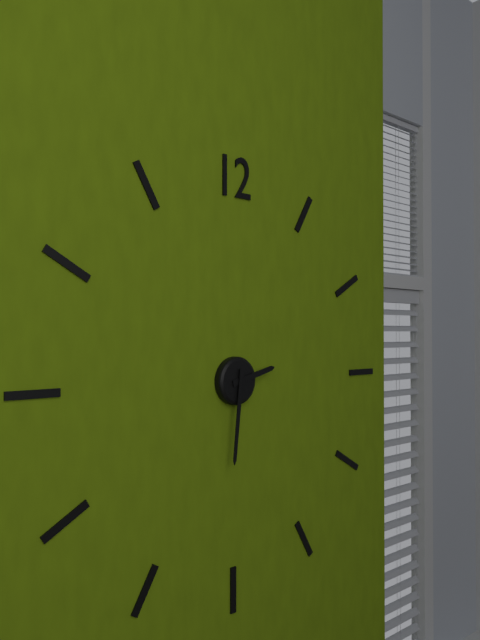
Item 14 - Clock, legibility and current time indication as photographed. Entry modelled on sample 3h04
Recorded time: 2h31
